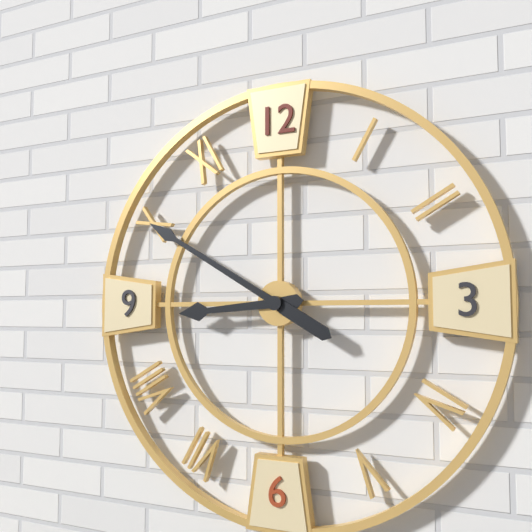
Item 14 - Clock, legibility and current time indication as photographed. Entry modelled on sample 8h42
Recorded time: 8h50
